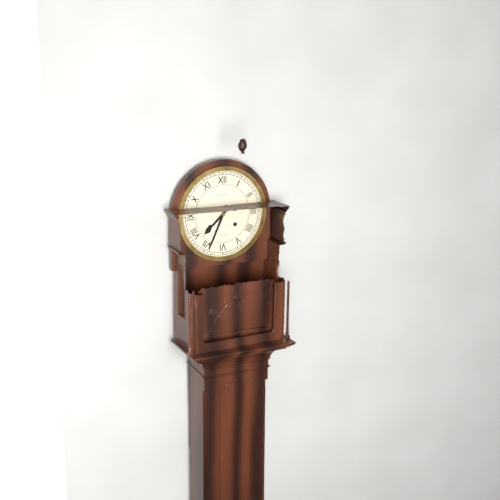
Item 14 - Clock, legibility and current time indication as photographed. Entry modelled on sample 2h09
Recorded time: 7h34
